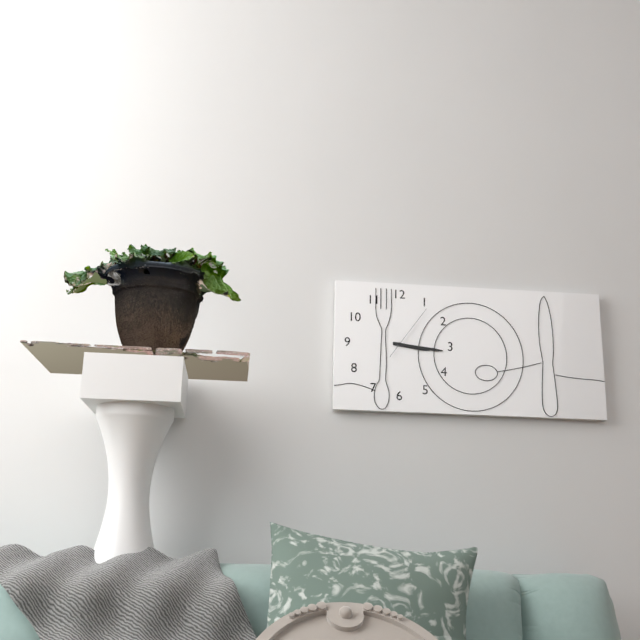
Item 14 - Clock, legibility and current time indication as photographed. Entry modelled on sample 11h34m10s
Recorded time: 3h16m06s
